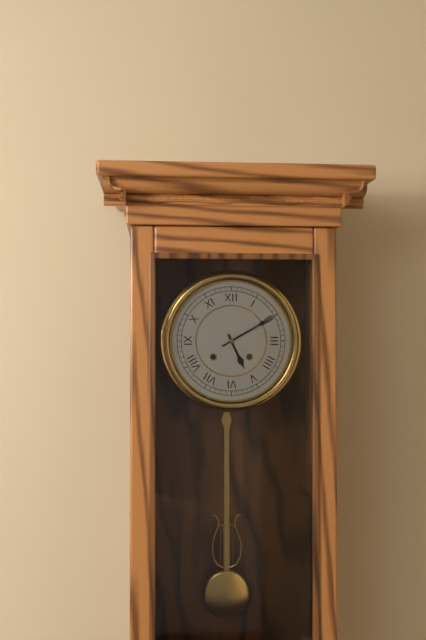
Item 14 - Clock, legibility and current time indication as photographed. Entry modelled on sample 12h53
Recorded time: 5h10
